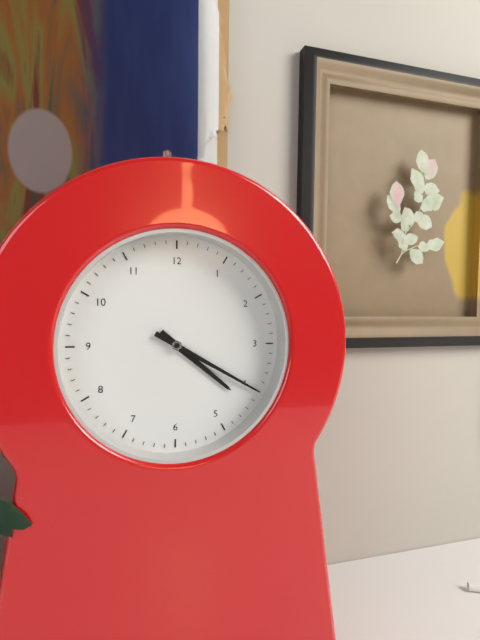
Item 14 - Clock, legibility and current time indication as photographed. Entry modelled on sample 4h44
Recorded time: 4h20
